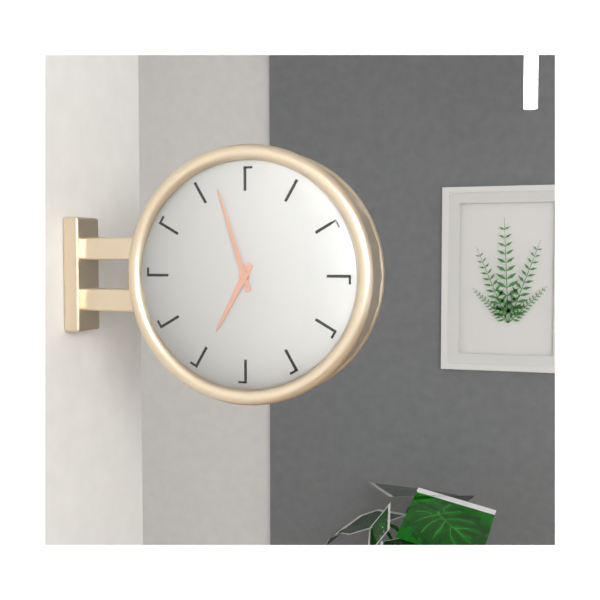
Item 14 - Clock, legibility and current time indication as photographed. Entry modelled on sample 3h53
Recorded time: 6h57
